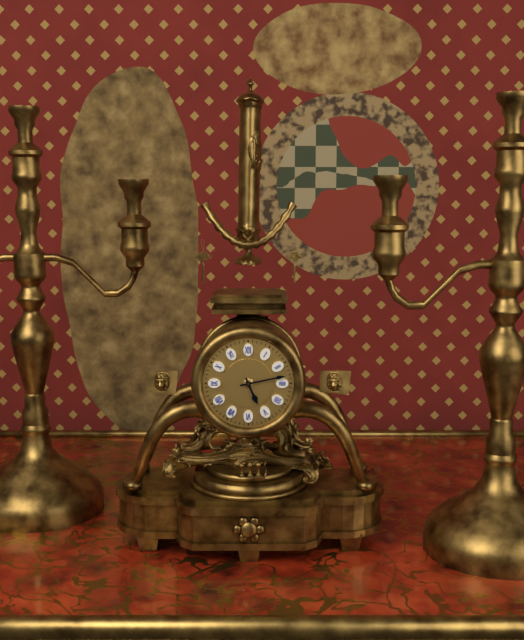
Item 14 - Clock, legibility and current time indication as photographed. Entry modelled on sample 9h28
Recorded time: 5h13
